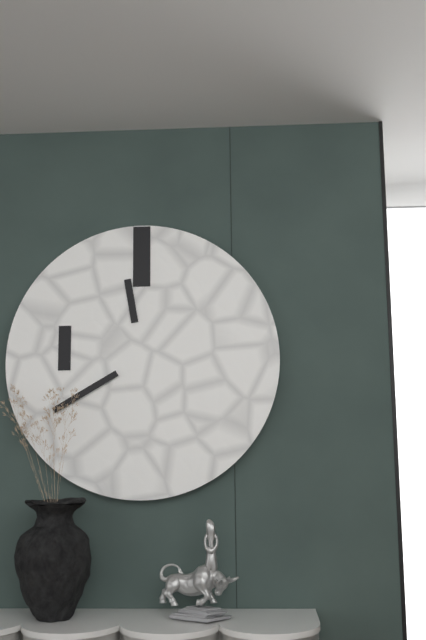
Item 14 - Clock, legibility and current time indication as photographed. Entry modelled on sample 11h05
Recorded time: 11h40
